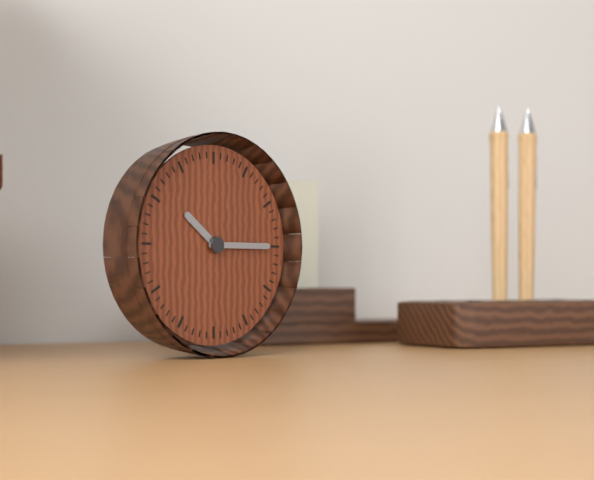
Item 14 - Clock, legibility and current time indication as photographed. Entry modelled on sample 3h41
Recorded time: 10h15
